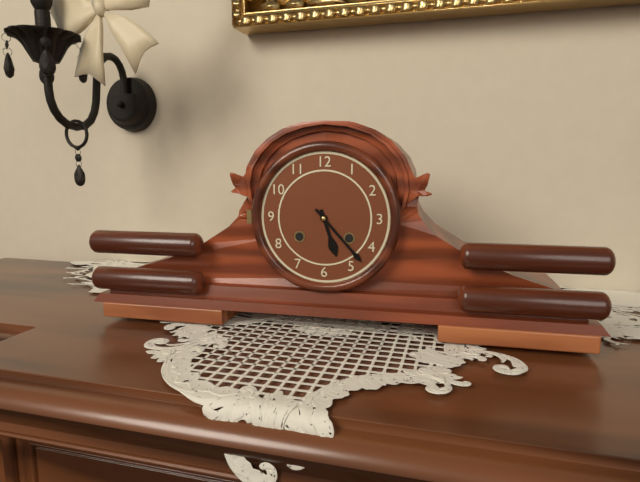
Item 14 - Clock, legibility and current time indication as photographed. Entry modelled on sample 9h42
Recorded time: 5h23
